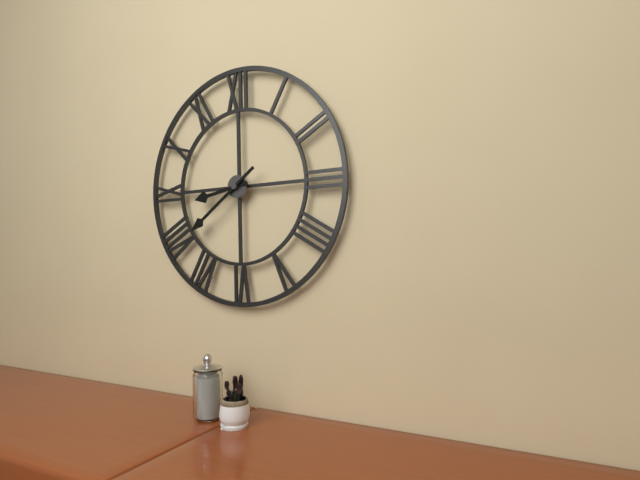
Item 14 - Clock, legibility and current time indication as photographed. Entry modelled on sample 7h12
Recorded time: 8h39
